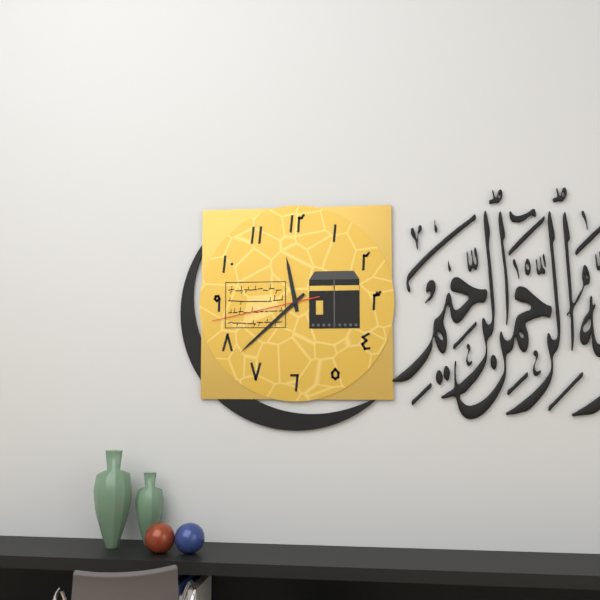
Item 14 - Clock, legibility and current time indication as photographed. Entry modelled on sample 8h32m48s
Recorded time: 11h38m43s
